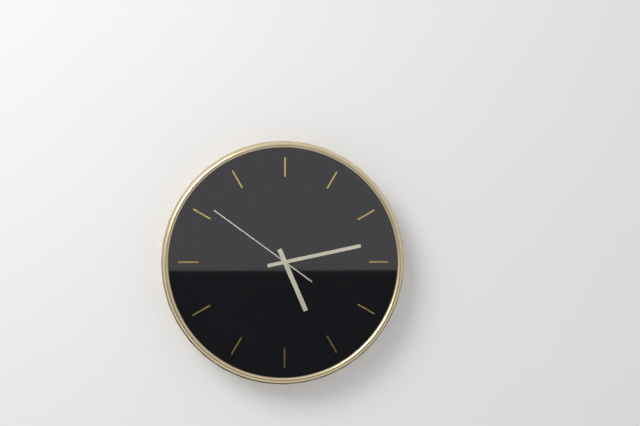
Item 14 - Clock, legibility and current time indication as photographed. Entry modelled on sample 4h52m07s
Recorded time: 5h13m51s
